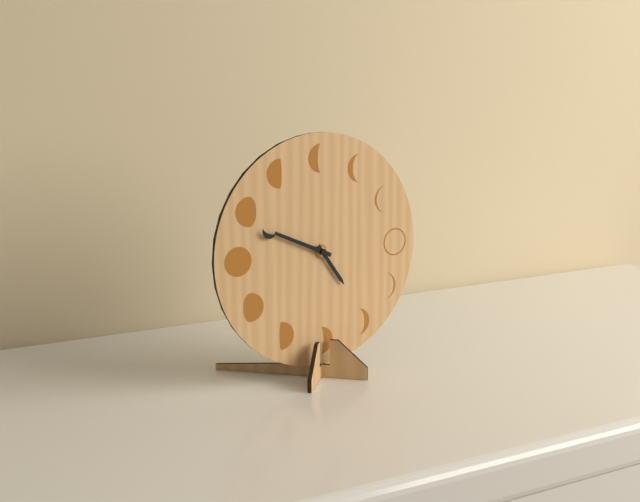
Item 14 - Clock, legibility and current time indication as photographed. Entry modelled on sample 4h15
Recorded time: 4h49
